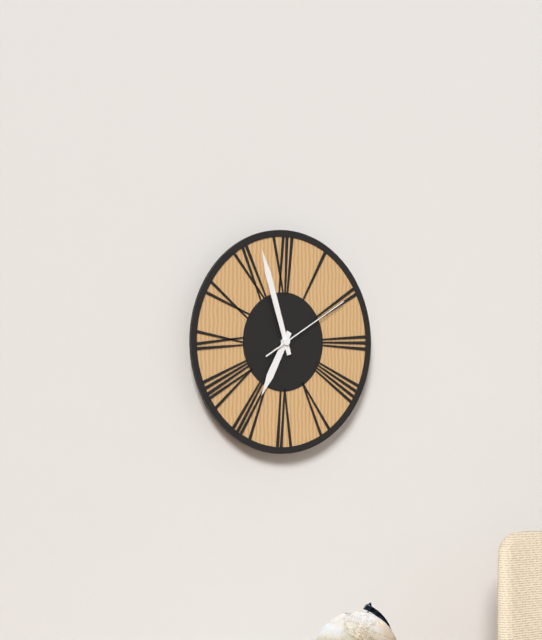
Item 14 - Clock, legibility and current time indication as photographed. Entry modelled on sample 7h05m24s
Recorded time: 6h57m10s
